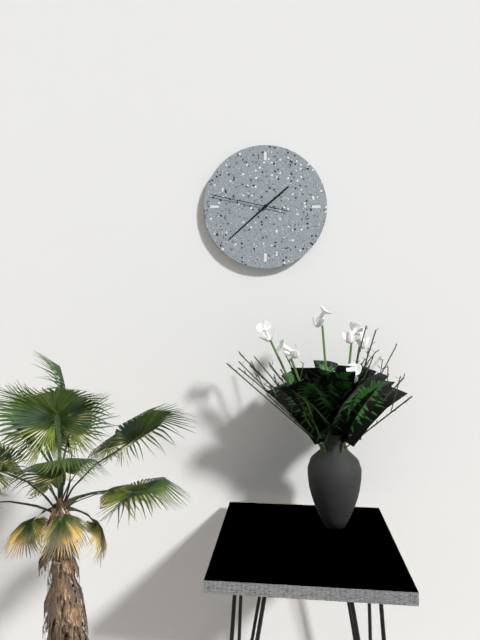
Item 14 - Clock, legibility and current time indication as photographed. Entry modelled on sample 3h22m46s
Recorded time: 1h38m47s
